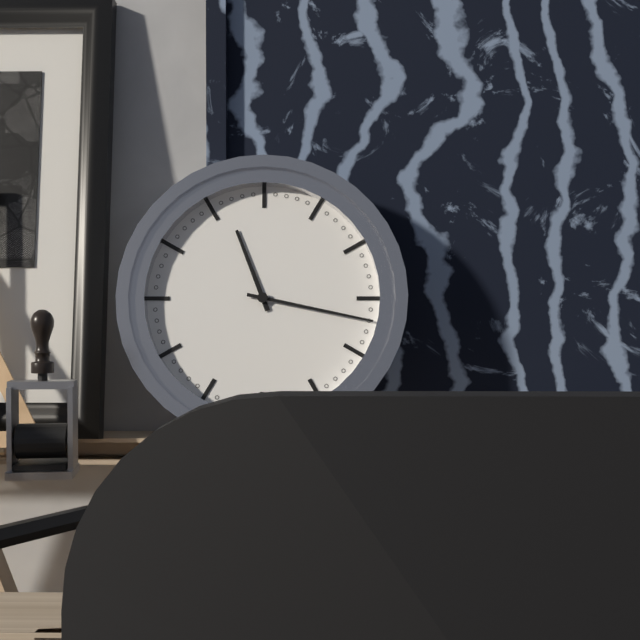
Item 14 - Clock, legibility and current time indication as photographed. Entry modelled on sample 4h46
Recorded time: 11h17
